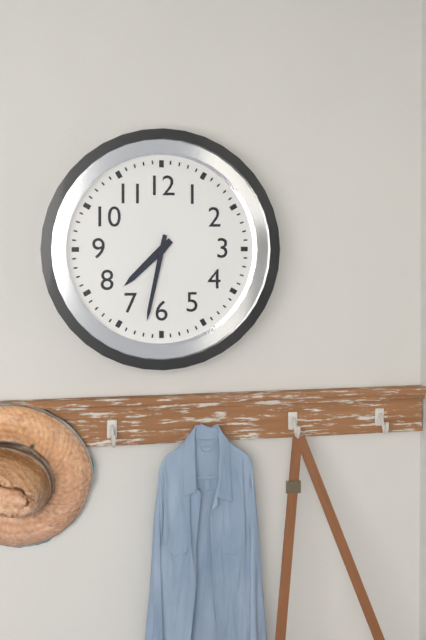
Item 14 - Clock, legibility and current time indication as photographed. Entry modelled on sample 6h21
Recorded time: 7h32
